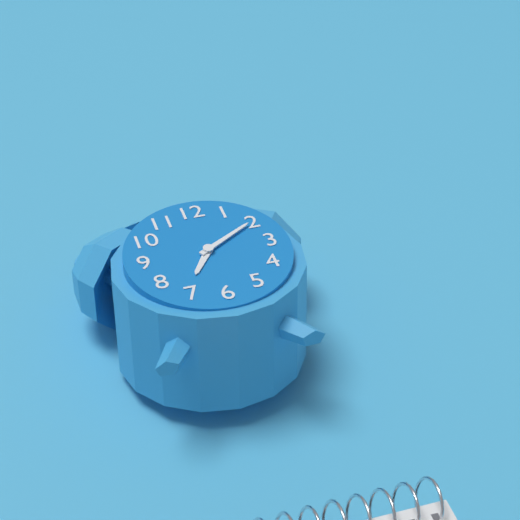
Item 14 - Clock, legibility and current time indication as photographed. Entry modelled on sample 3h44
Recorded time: 7h10
